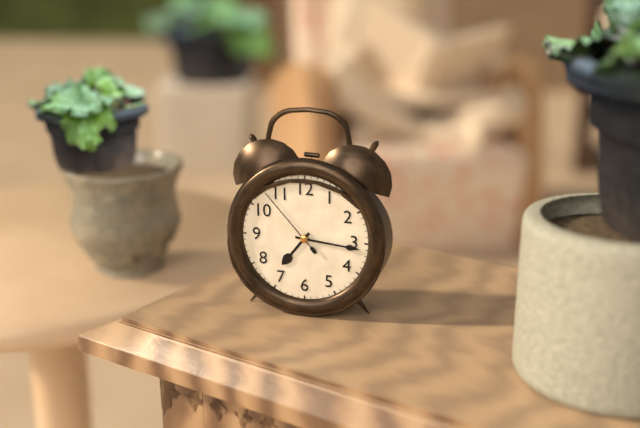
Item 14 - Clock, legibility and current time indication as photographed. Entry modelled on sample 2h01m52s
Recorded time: 7h16m53s
